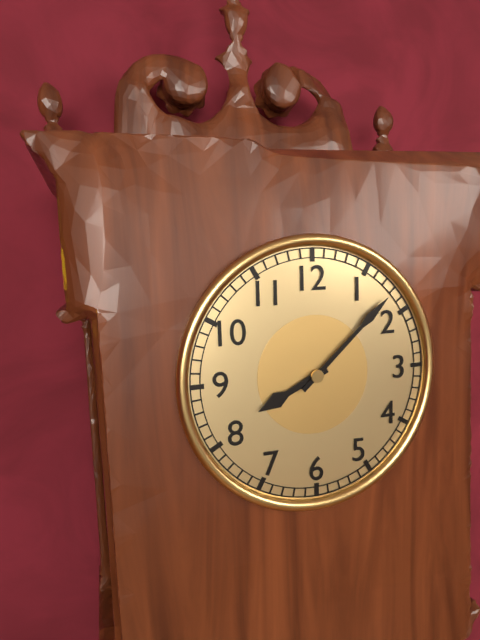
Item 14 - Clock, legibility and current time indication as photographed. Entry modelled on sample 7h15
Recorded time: 8h08
